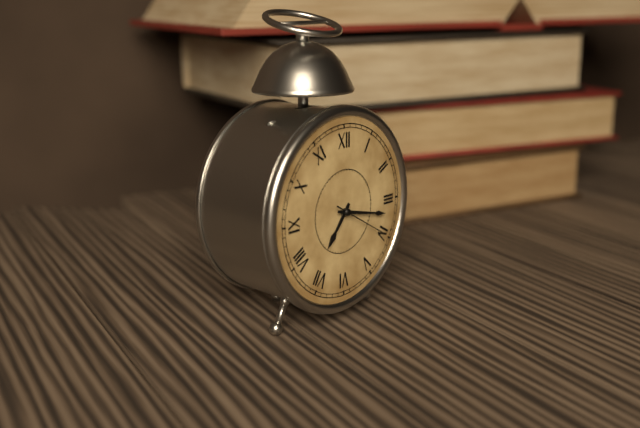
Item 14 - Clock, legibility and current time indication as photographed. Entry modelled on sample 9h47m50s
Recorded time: 7h17m20s
